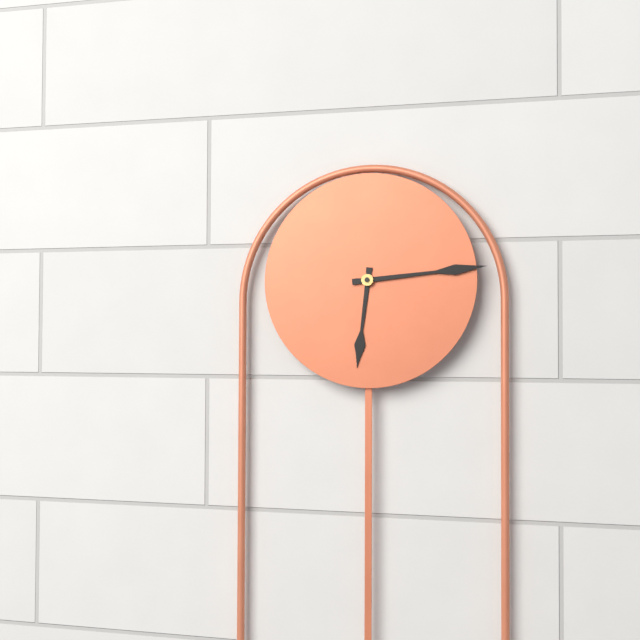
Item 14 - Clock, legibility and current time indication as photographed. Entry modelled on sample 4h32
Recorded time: 6h14
